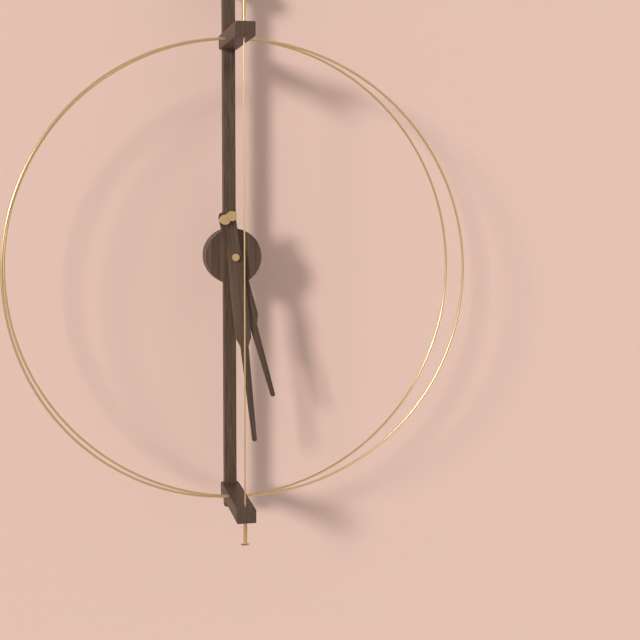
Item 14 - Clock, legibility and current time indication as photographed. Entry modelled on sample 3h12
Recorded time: 5h29
